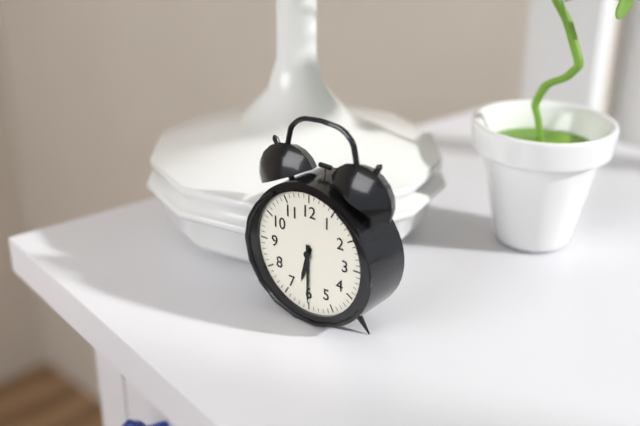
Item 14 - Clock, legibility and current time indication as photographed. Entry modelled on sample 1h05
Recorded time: 6h30
